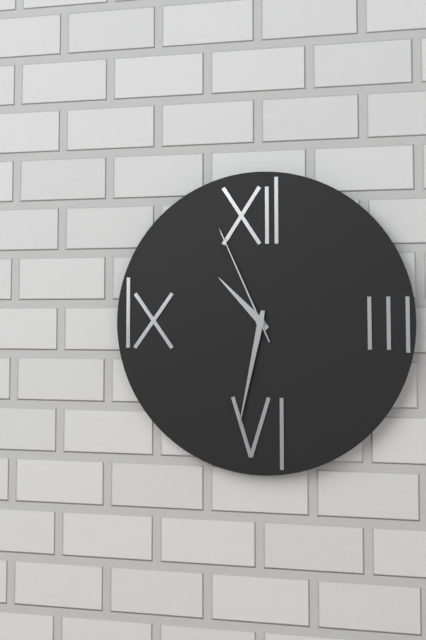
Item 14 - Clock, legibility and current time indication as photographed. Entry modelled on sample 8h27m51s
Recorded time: 10h32m56s
